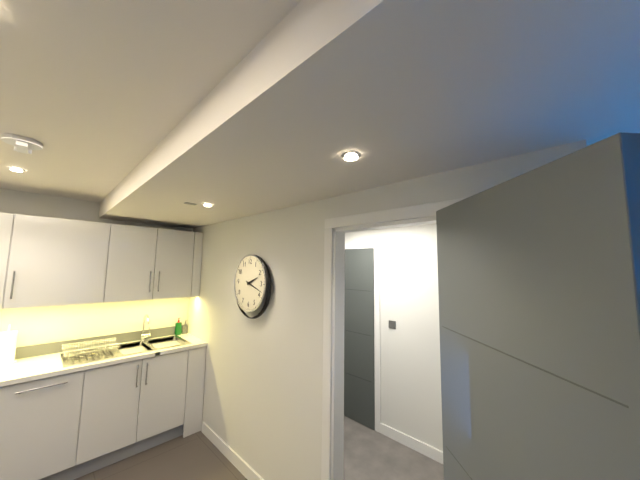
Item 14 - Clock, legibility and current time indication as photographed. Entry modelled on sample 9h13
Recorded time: 2h18
